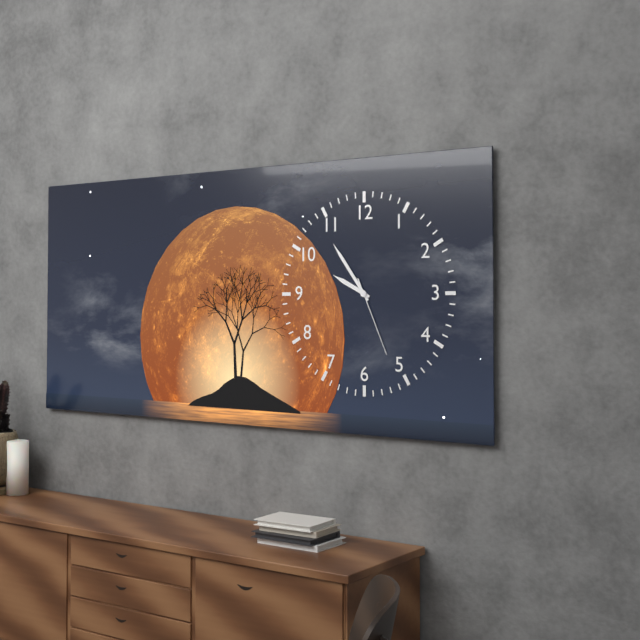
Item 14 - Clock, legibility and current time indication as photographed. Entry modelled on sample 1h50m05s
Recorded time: 9h54m26s
